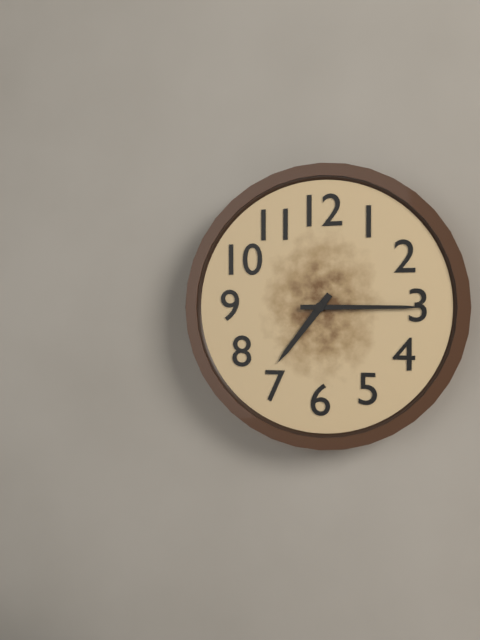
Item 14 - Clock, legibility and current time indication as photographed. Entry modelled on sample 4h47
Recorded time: 7h15
